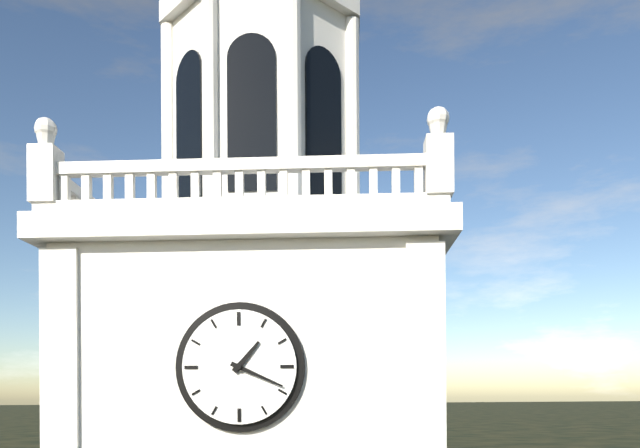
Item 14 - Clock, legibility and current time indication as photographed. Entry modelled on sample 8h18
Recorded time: 1h19
